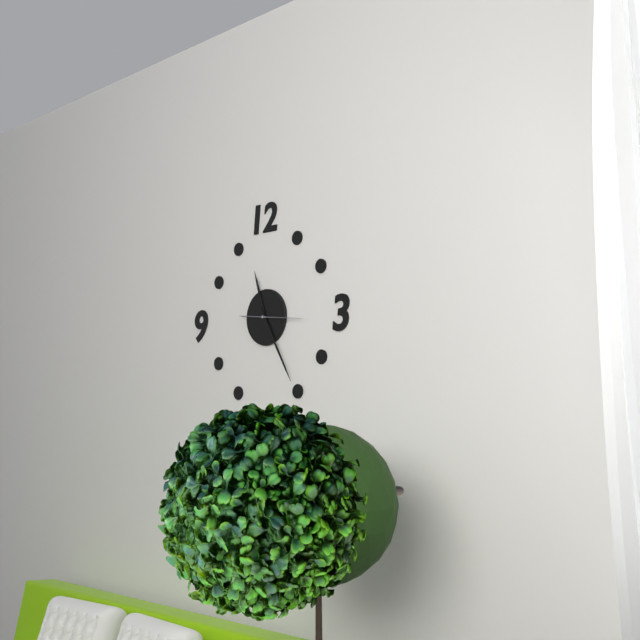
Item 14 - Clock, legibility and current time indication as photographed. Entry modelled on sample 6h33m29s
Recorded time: 11h25m16s
